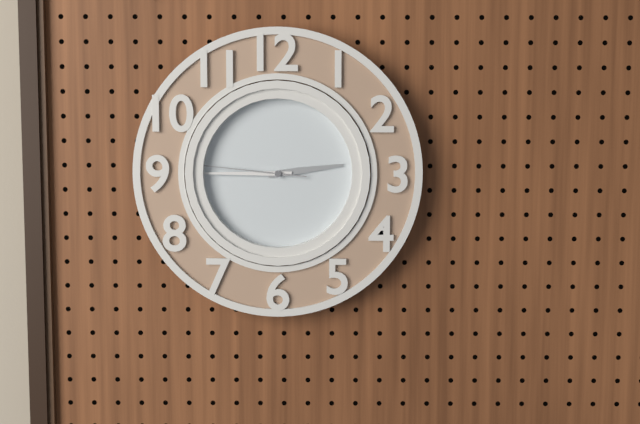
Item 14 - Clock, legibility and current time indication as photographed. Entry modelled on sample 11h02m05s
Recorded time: 2h45m46s
